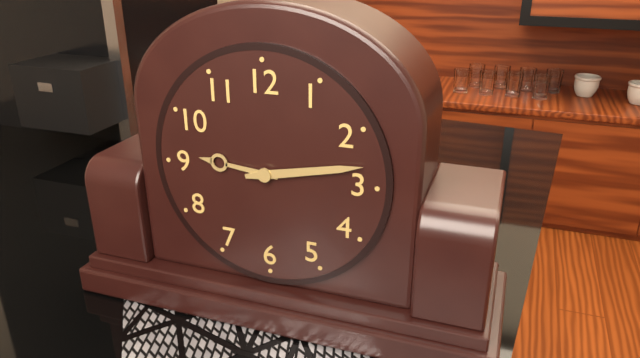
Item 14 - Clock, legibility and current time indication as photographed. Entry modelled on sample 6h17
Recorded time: 9h13
